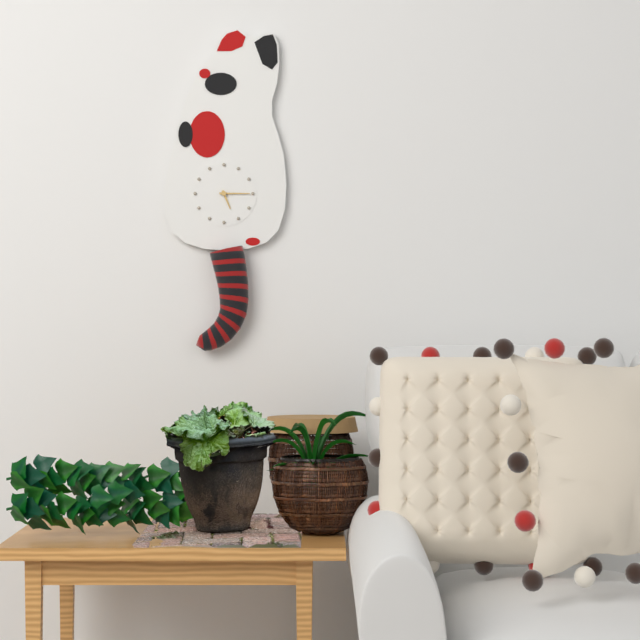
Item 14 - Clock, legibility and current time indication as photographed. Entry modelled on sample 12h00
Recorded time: 5h15
